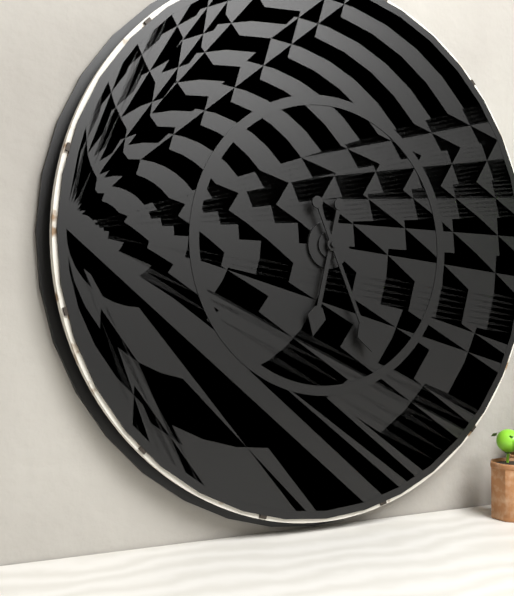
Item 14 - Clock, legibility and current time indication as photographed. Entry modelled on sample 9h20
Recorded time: 6h26
